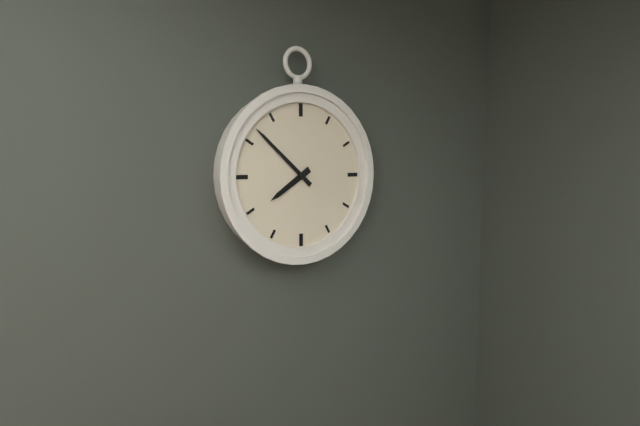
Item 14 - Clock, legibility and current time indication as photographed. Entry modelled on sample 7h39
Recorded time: 7h52
